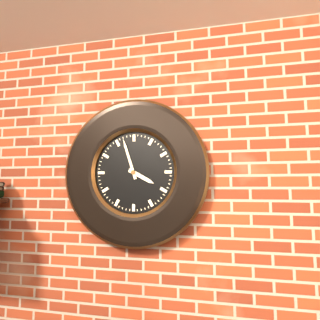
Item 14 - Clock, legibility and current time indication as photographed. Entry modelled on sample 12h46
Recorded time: 3h57
